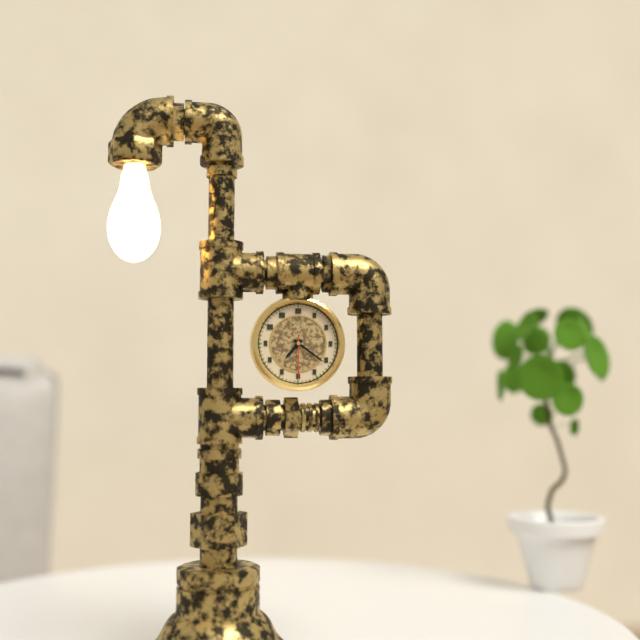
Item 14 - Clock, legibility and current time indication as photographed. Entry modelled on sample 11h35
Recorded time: 7h21
